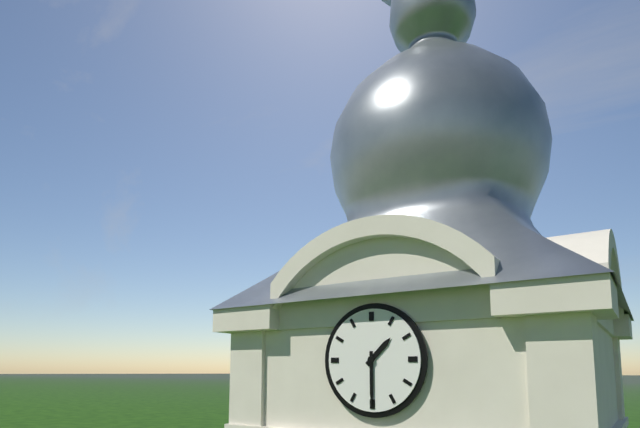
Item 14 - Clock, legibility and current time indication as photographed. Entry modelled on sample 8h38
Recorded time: 1h30
